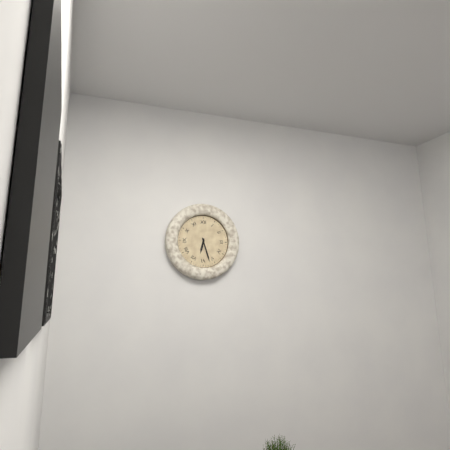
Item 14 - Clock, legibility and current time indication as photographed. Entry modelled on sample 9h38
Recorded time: 6h27
